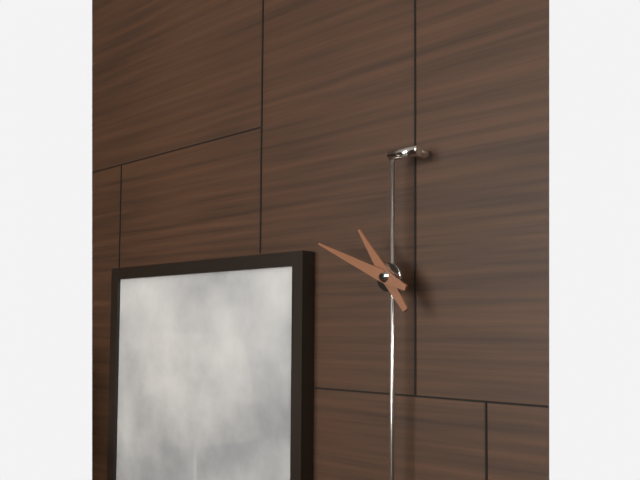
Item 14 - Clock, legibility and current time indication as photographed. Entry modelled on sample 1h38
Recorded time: 10h49
